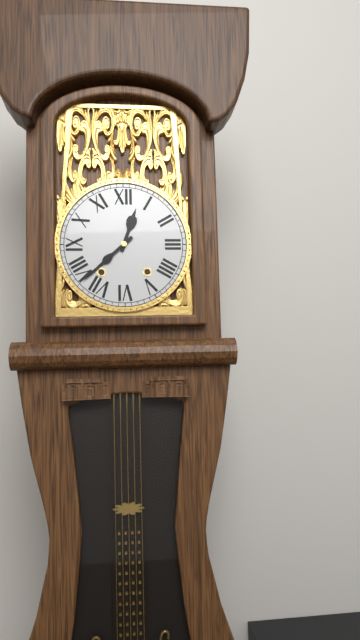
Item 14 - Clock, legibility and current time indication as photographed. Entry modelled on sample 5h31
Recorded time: 12h38
